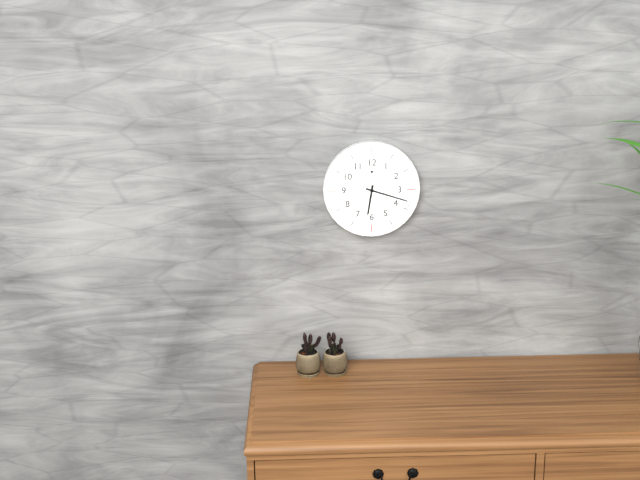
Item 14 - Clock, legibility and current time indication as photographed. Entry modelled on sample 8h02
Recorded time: 6h18
